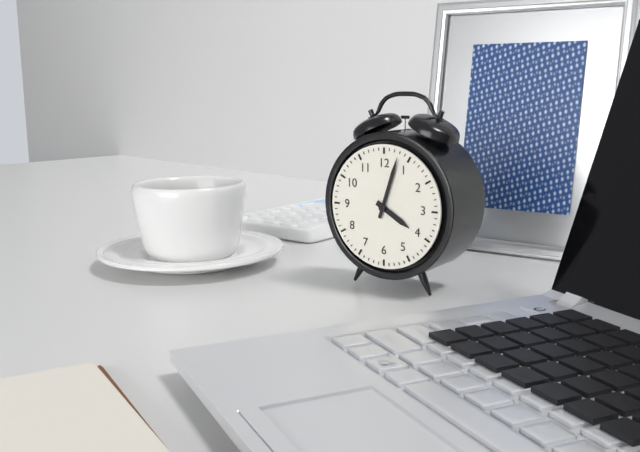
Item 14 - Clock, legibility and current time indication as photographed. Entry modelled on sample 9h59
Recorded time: 4h03
